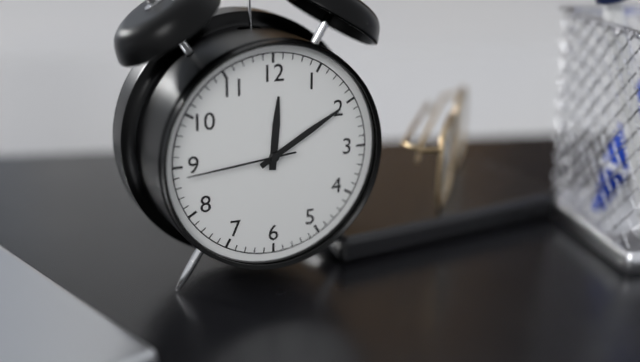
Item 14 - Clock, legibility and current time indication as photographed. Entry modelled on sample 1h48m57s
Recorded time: 12h10m44s
